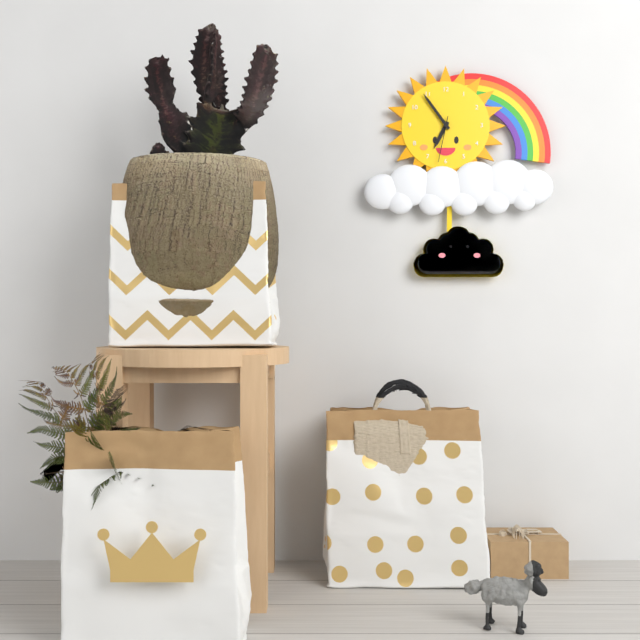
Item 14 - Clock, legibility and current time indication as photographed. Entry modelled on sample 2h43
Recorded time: 6h54
